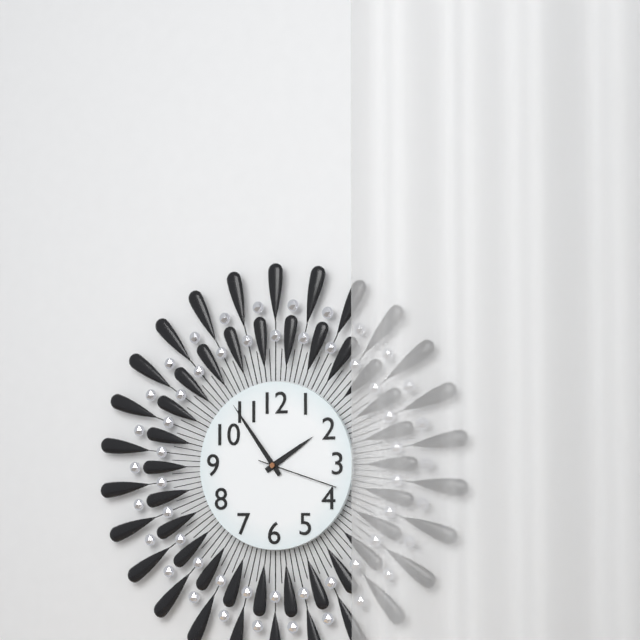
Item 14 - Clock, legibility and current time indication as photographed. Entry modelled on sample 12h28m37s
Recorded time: 1h54m18s
